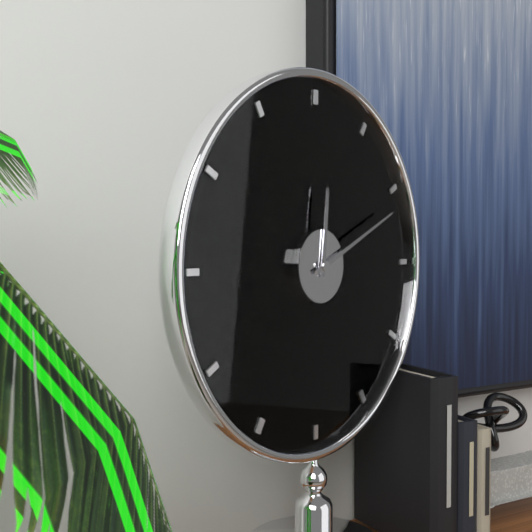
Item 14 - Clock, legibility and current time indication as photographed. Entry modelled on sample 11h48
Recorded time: 12h11
